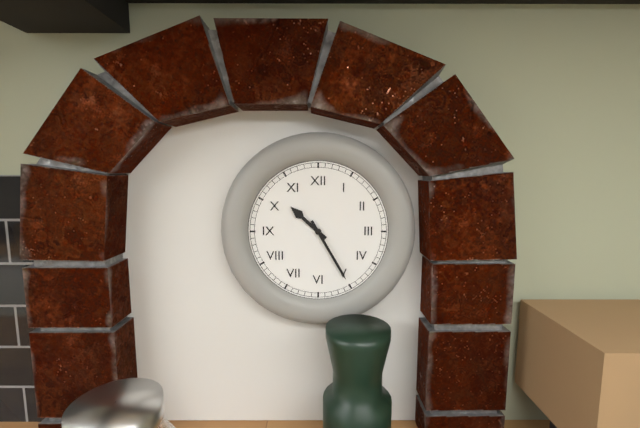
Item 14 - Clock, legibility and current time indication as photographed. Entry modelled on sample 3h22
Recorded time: 10h25
